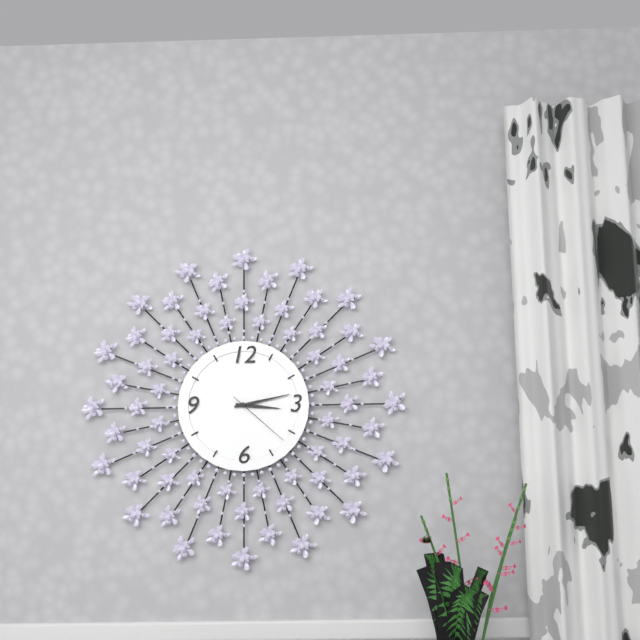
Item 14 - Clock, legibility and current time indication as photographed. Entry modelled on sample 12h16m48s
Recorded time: 3h13m22s
